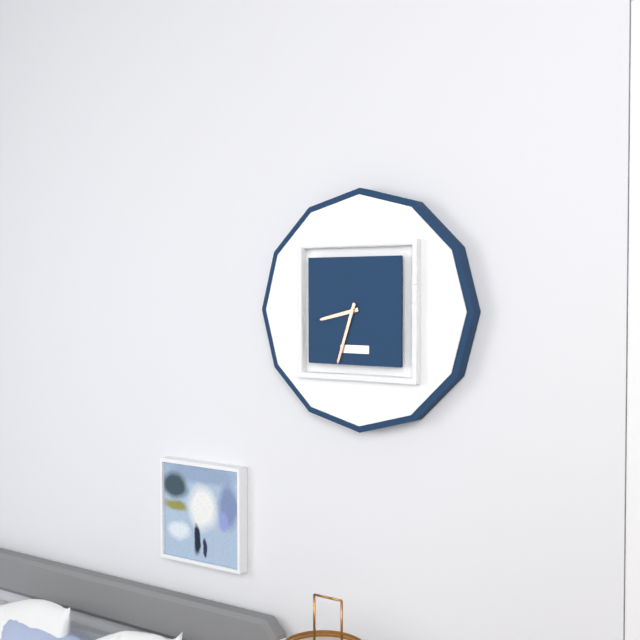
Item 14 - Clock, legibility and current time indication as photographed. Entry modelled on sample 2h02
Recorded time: 8h33
